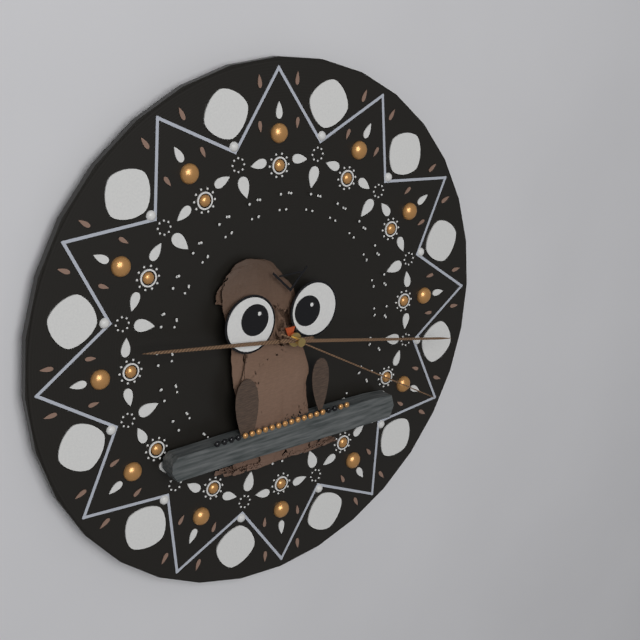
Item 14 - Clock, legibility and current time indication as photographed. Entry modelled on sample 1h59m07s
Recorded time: 9h17m20s
